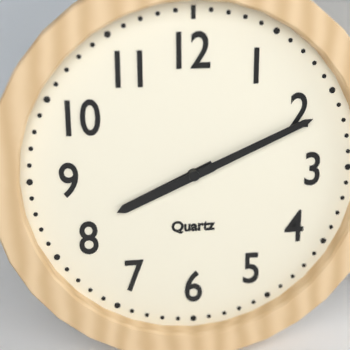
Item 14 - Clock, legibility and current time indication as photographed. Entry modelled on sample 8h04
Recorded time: 8h11
